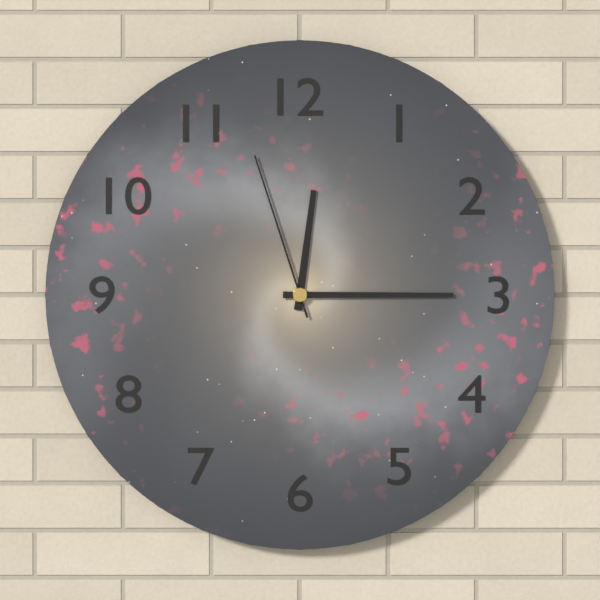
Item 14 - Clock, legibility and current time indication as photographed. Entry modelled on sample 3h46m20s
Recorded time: 12h15m57s
